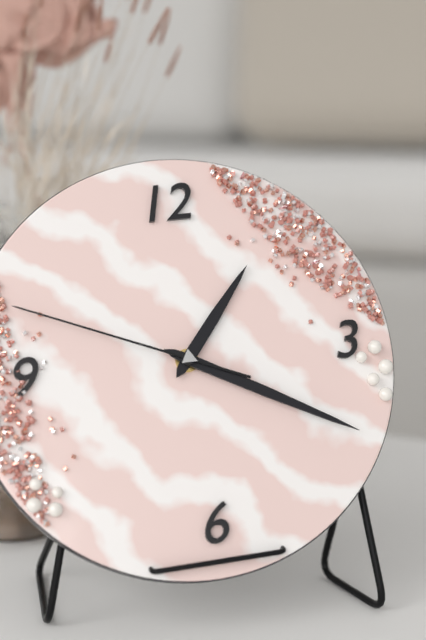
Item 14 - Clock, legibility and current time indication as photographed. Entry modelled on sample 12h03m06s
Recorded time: 1h20m49s
